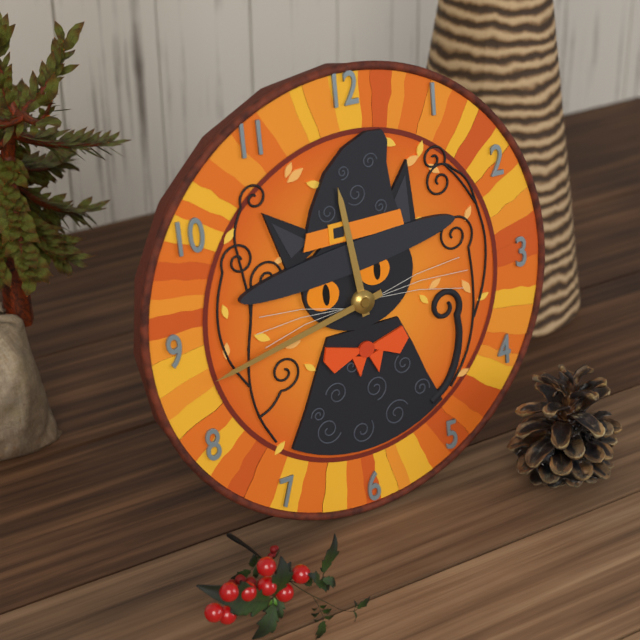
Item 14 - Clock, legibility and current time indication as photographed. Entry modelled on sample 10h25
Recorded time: 11h43
